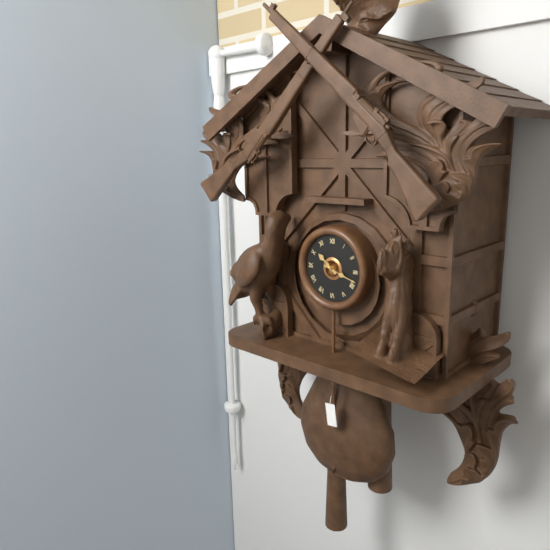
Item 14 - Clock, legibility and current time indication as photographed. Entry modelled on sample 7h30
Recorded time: 10h18
